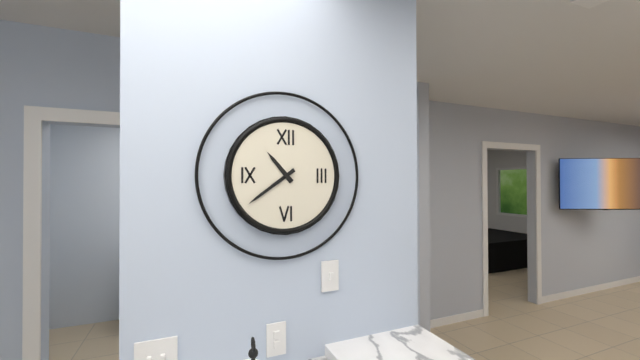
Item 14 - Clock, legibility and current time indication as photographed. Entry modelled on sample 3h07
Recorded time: 10h39
